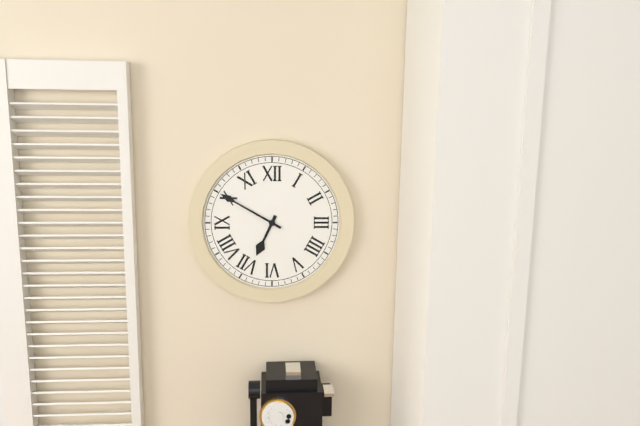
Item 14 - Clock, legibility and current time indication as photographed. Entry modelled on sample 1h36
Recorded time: 6h50
